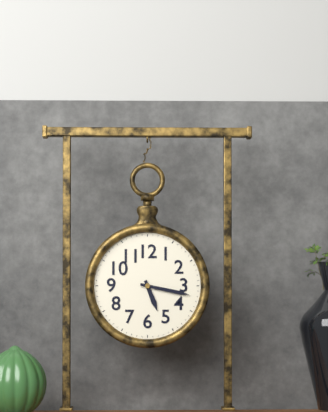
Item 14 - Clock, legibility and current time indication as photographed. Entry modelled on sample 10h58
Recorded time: 5h17
